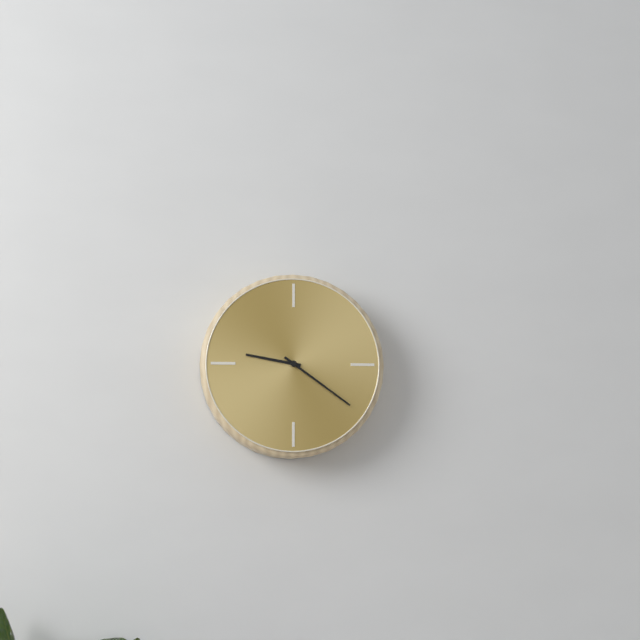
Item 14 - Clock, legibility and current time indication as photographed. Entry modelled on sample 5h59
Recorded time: 9h21
